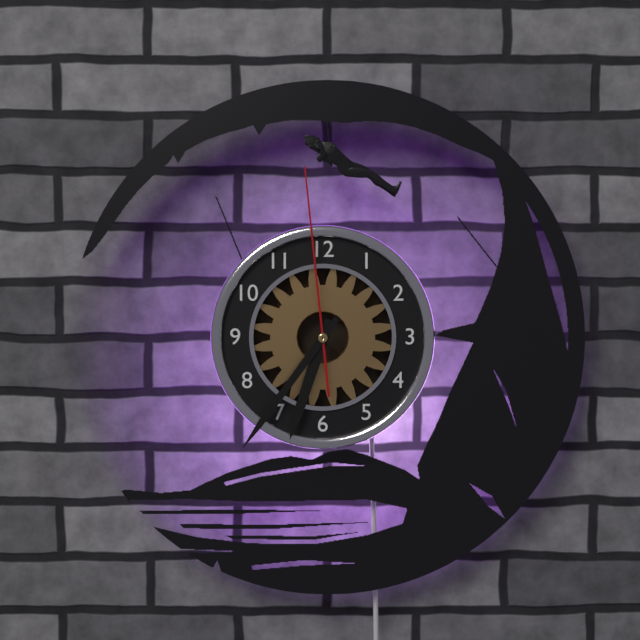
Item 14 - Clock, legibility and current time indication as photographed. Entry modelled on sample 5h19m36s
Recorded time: 6h36m59s
